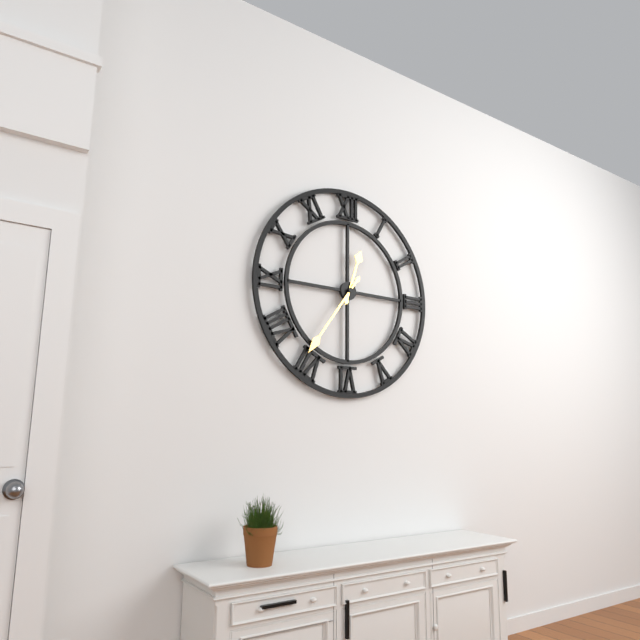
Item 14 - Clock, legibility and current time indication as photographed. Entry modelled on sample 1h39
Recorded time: 12h36
